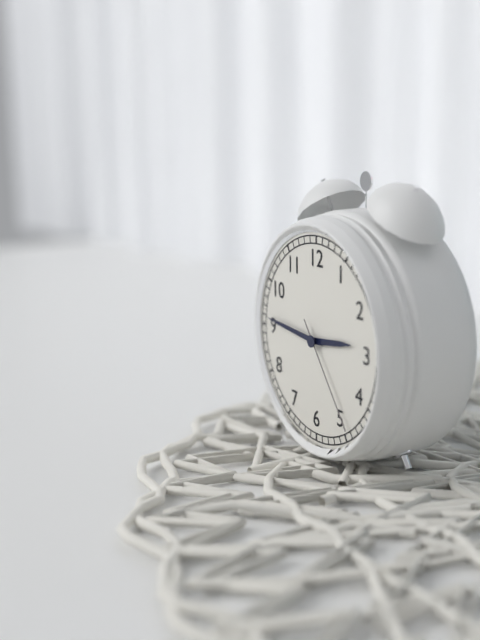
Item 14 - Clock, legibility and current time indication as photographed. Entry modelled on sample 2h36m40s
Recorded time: 2h46m24s
